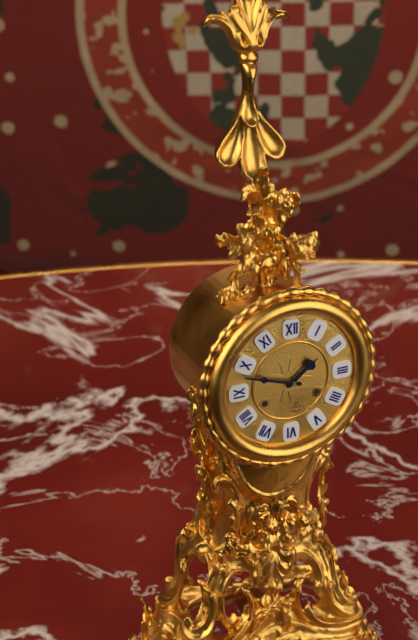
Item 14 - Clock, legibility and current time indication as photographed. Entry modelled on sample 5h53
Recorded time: 1h48
